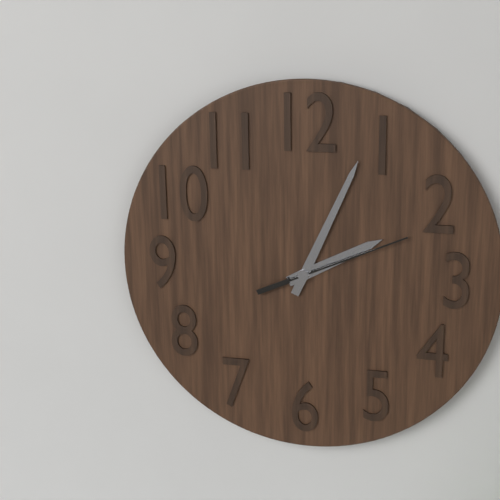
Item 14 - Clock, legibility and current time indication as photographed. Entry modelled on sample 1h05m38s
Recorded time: 2h04m11s
